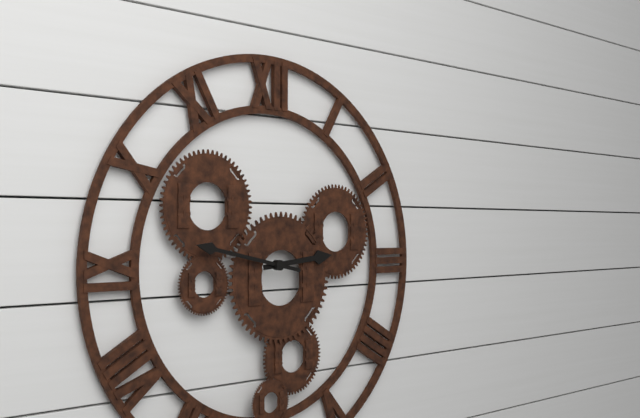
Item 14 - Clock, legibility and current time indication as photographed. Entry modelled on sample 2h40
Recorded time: 2h47
